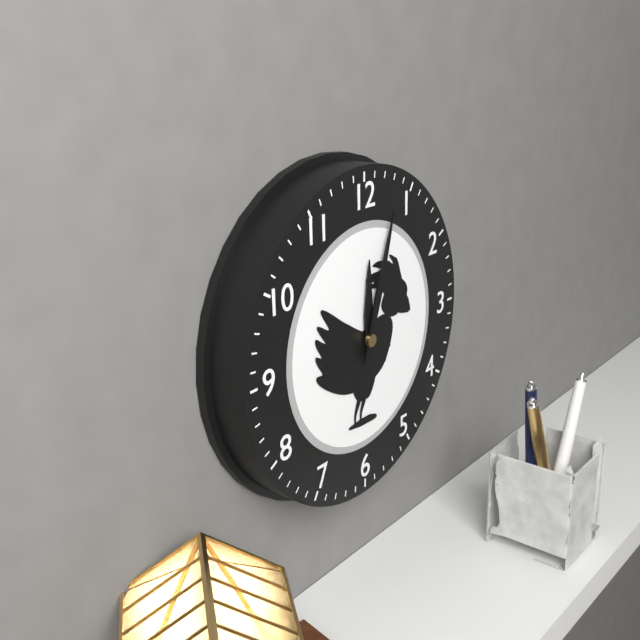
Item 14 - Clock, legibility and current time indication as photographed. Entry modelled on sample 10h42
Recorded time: 12h03
